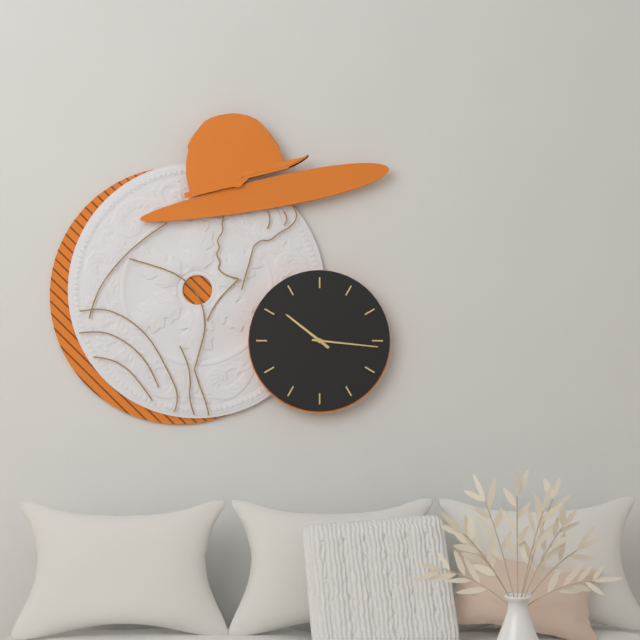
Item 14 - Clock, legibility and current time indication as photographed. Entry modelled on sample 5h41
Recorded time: 10h16
